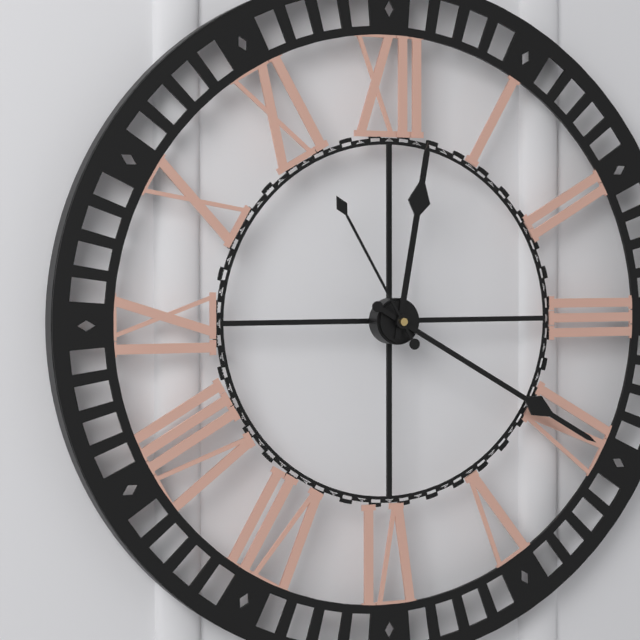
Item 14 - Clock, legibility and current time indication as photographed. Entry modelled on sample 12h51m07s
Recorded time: 12h20m55s
